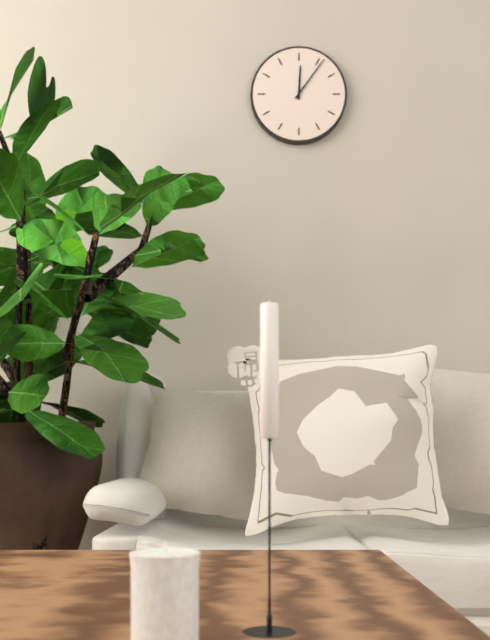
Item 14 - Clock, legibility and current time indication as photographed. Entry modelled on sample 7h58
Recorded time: 12h06
